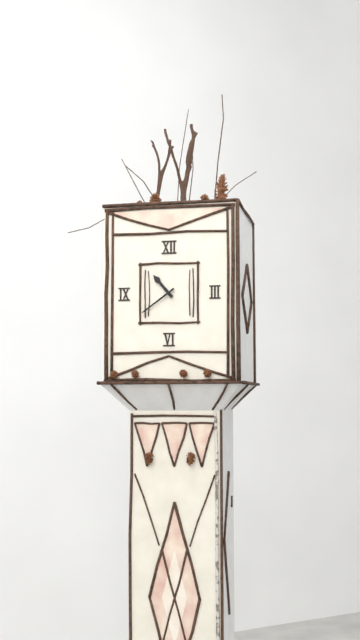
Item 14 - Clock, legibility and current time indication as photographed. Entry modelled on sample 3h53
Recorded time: 10h39
